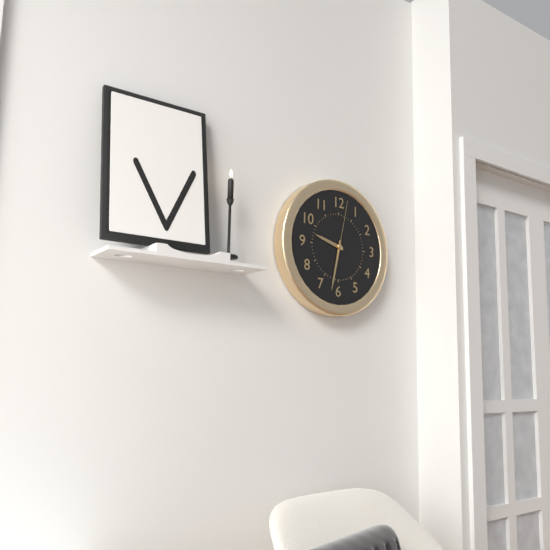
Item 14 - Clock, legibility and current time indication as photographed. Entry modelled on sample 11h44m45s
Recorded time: 9h32m02s
